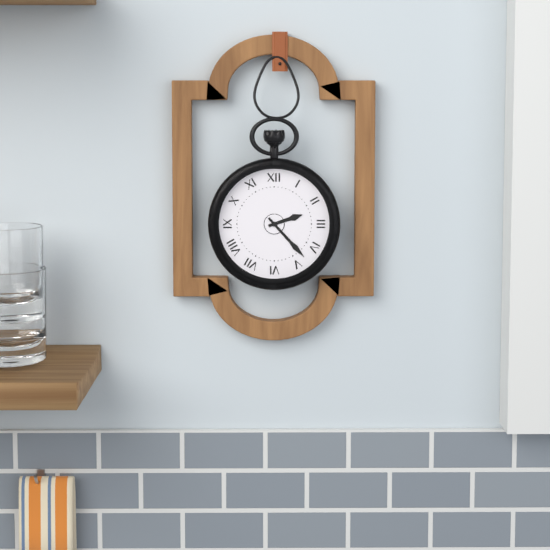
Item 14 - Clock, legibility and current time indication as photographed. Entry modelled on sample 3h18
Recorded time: 2h23
